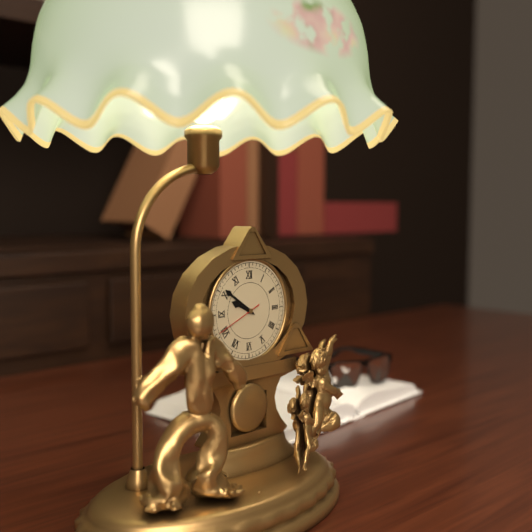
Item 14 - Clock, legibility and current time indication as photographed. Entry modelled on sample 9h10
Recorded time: 9h51
